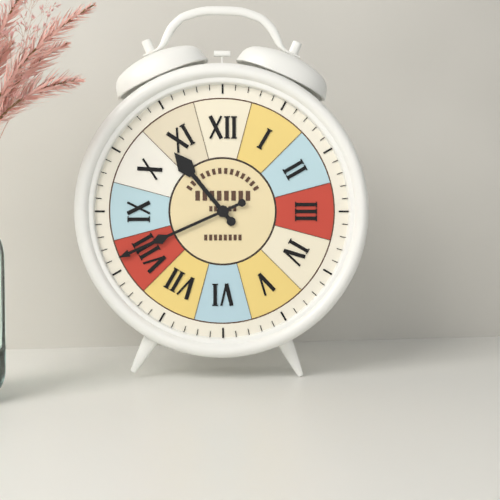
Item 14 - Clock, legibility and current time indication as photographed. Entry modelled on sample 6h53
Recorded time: 10h41
